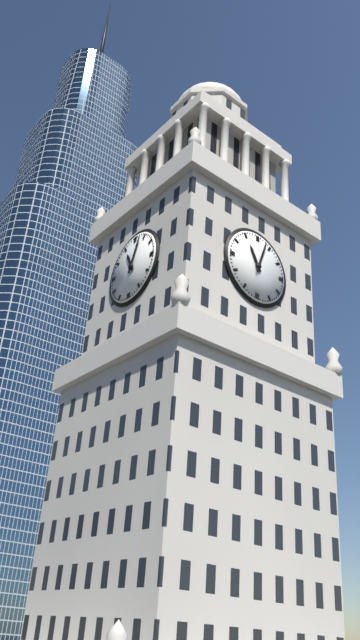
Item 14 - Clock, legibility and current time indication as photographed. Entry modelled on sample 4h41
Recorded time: 11h03
